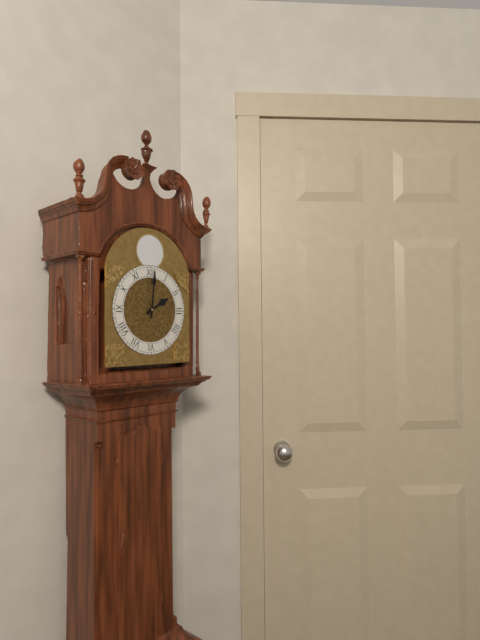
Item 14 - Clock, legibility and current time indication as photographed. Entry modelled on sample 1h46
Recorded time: 2h01
